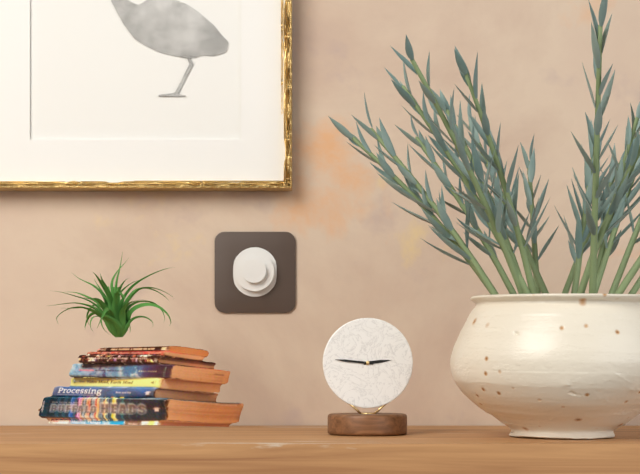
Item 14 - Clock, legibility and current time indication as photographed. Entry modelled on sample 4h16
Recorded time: 2h46
